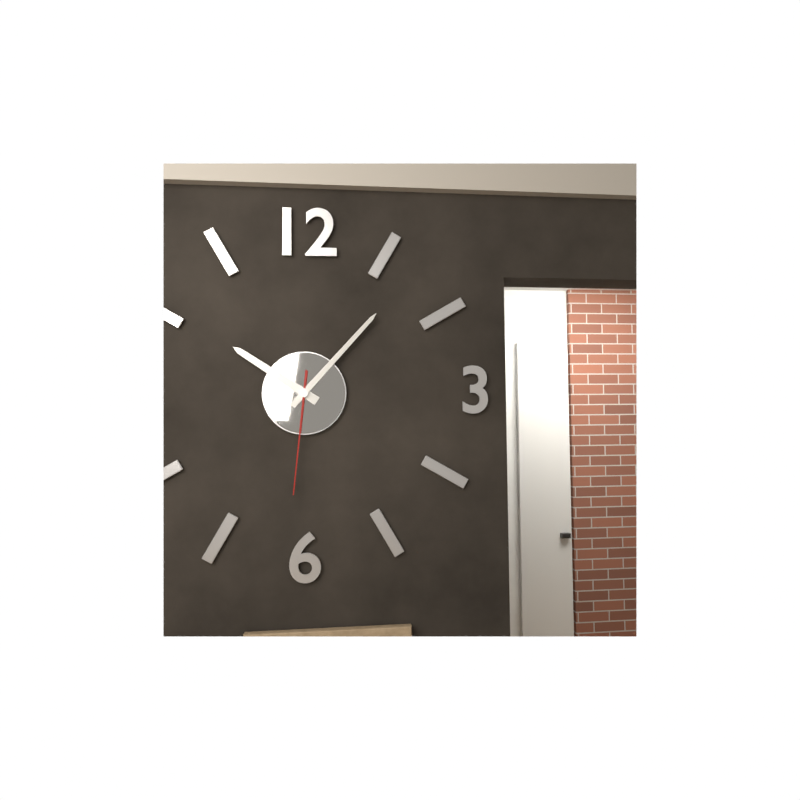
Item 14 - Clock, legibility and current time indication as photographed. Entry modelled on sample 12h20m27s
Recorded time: 10h07m31s
